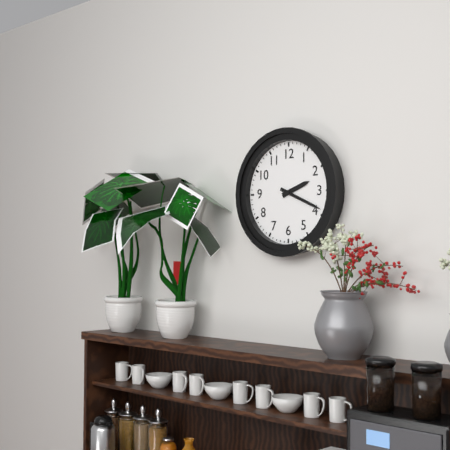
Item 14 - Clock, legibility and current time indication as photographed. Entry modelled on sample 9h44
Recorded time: 2h19
